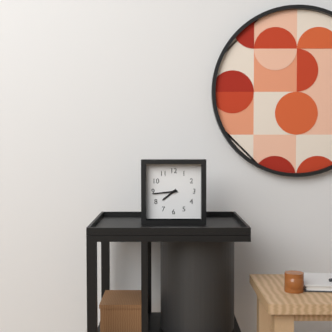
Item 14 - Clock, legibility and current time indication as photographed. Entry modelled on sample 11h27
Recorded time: 7h44
